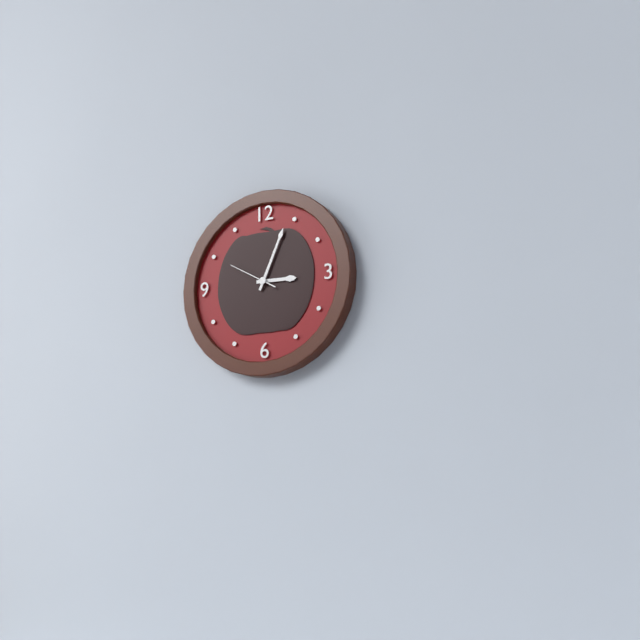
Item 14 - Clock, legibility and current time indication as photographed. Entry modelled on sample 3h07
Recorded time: 3h04
